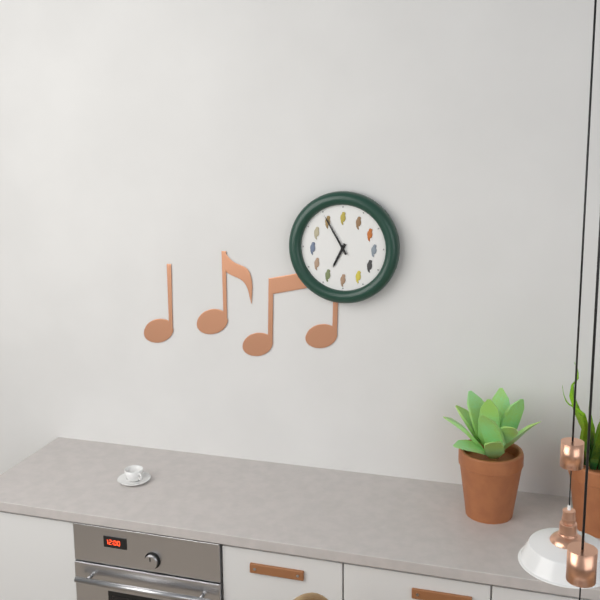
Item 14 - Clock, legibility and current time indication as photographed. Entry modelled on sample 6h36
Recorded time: 6h55
